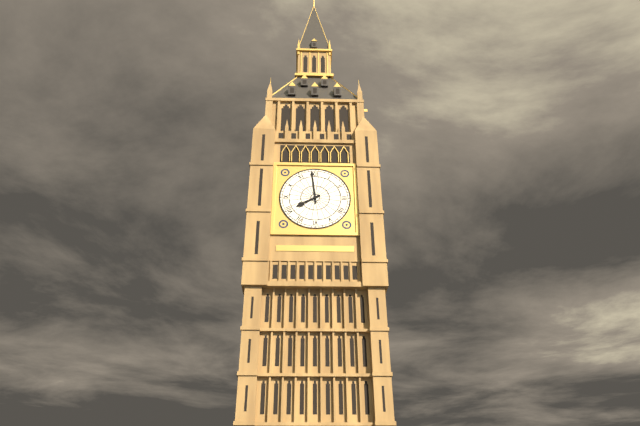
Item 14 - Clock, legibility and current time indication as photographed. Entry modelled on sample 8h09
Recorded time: 7h59
